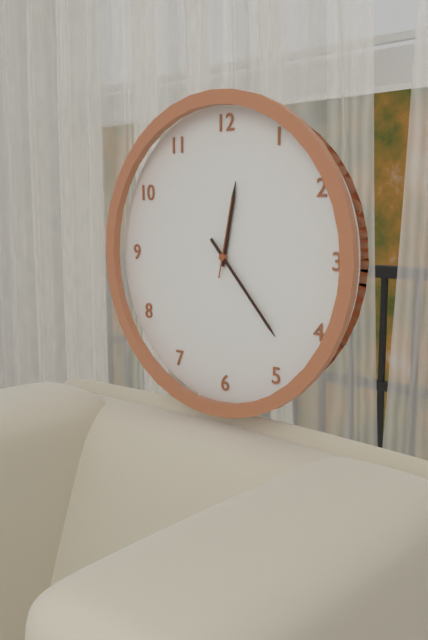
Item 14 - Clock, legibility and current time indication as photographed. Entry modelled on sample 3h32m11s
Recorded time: 12h23m02s
